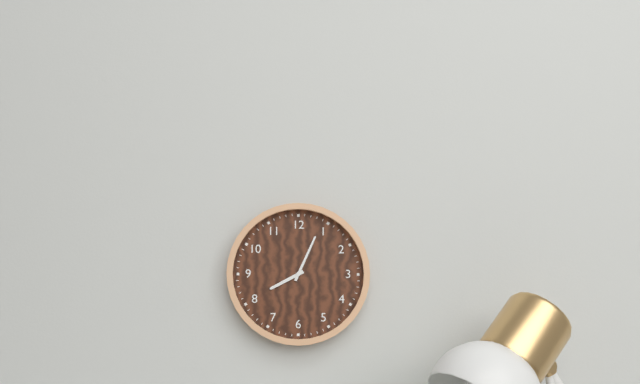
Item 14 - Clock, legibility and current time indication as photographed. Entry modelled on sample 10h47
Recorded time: 8h04
